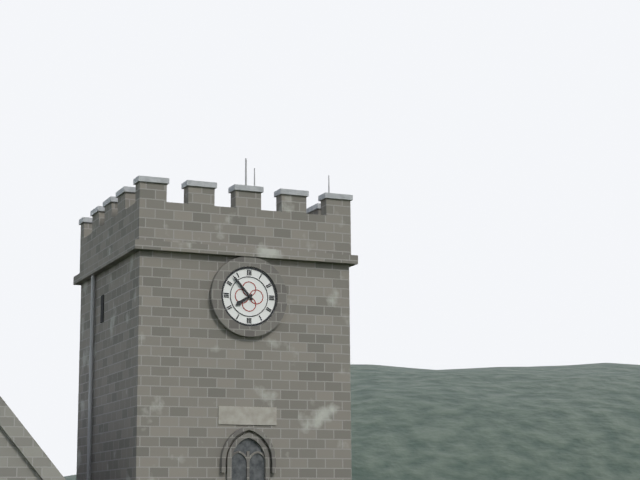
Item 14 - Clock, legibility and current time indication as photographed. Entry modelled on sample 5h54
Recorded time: 7h53
